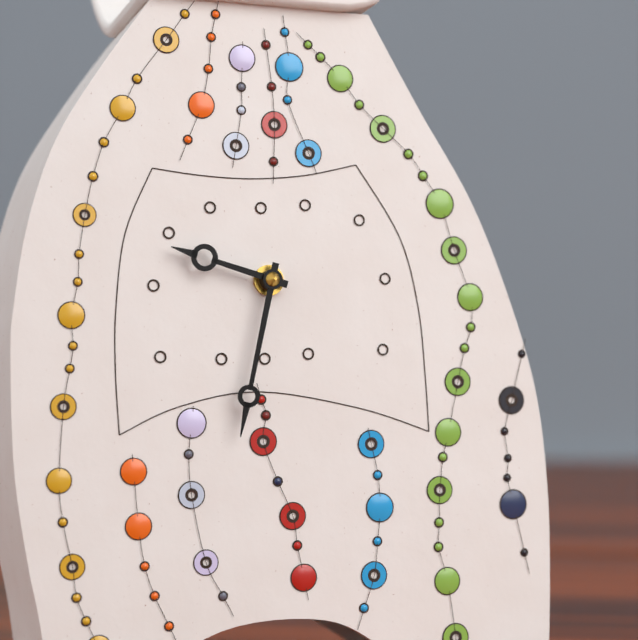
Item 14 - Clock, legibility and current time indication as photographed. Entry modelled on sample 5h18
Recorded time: 9h32
